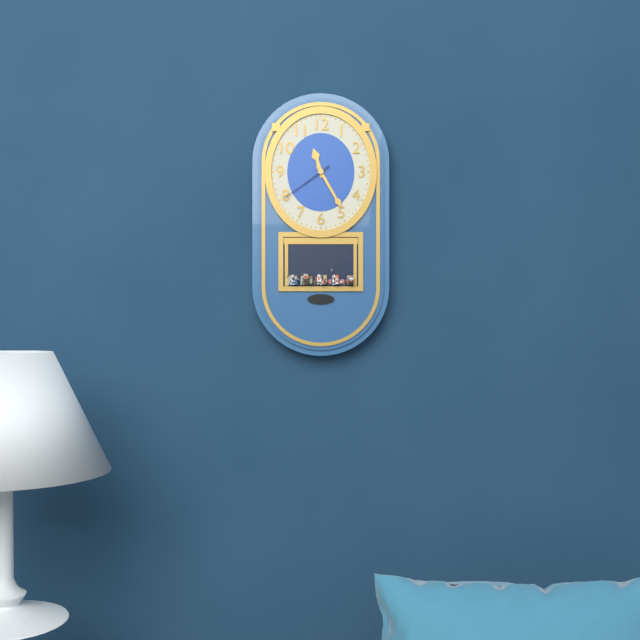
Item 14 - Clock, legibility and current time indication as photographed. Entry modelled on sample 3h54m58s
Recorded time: 11h25m39s
